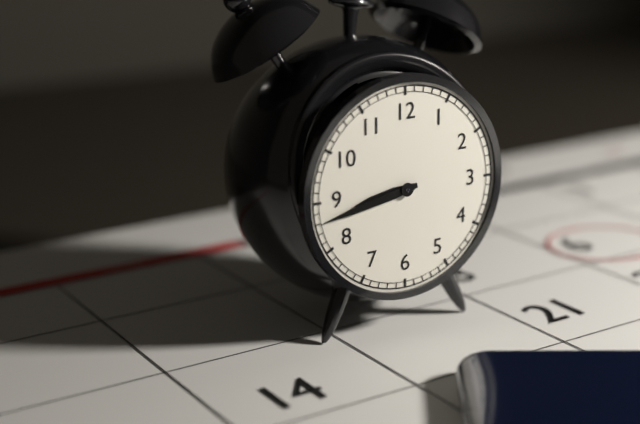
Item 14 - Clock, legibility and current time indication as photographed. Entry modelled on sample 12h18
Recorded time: 8h43
